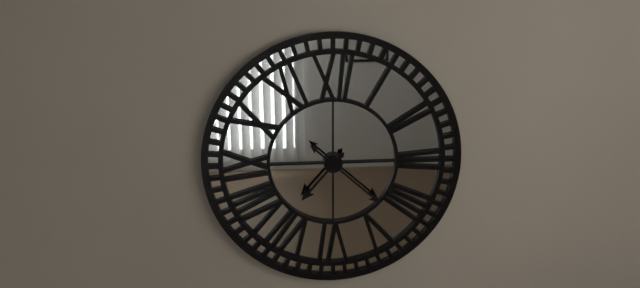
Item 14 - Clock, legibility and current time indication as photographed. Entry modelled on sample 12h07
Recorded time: 7h22
